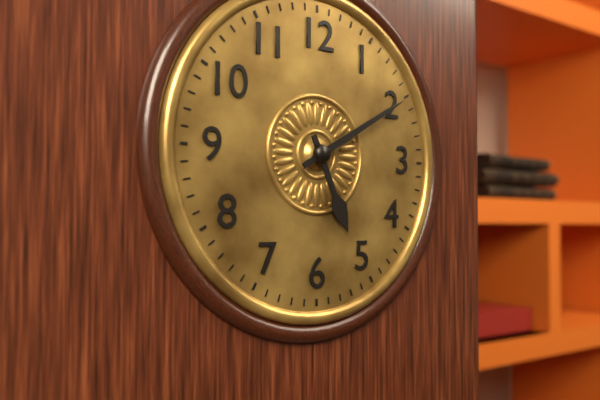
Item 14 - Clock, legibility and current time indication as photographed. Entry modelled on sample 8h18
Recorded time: 5h10
